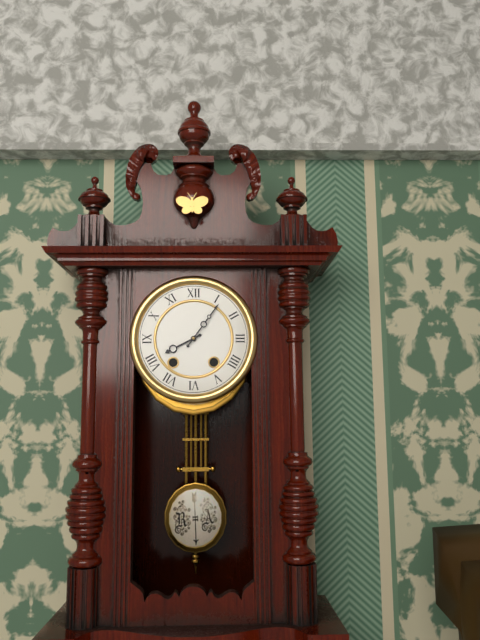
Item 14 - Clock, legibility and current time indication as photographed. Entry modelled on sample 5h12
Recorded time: 8h06
